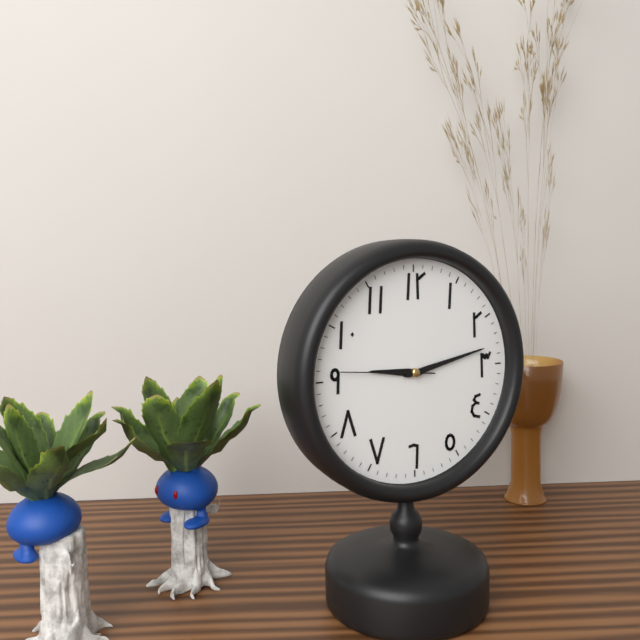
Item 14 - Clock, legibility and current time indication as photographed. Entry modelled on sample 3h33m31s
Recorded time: 9h13m46s
